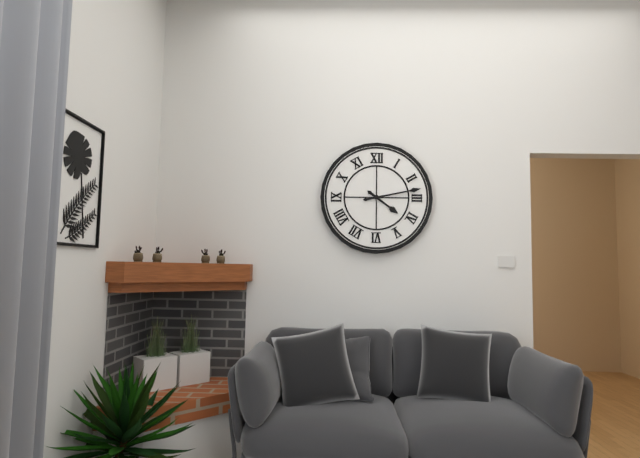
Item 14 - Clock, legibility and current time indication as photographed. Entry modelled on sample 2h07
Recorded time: 4h13
